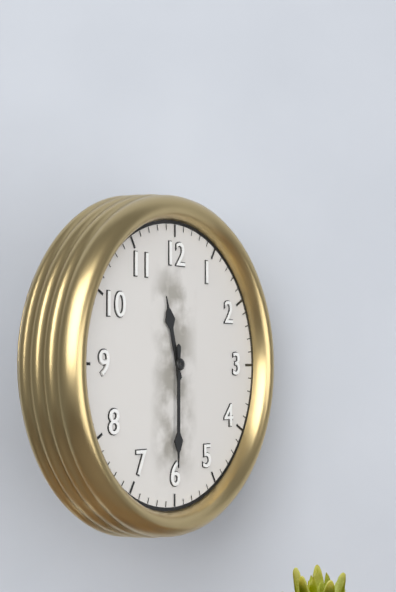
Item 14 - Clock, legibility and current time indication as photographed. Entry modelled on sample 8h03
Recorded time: 11h30
